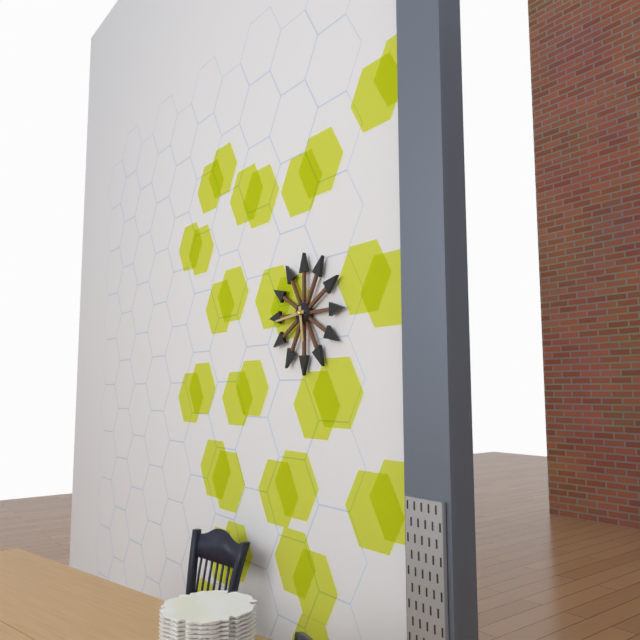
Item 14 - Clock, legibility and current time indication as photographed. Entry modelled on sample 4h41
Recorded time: 5h44
